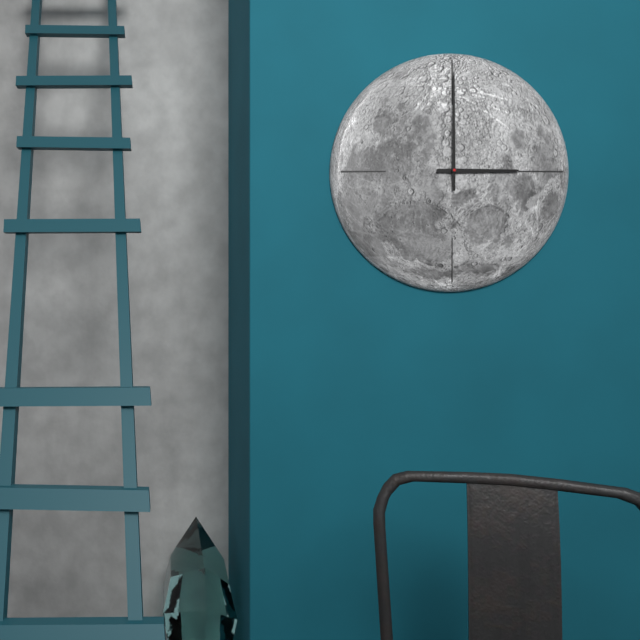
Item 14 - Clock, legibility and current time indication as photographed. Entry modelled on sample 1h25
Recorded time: 3h00
